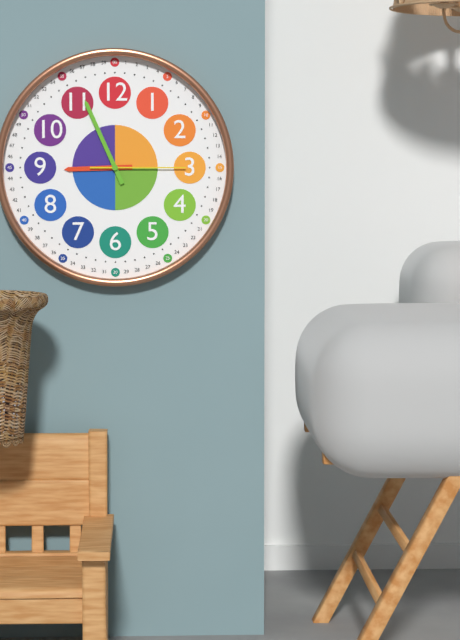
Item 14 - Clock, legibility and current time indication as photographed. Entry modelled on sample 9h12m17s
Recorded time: 8h56m15s
